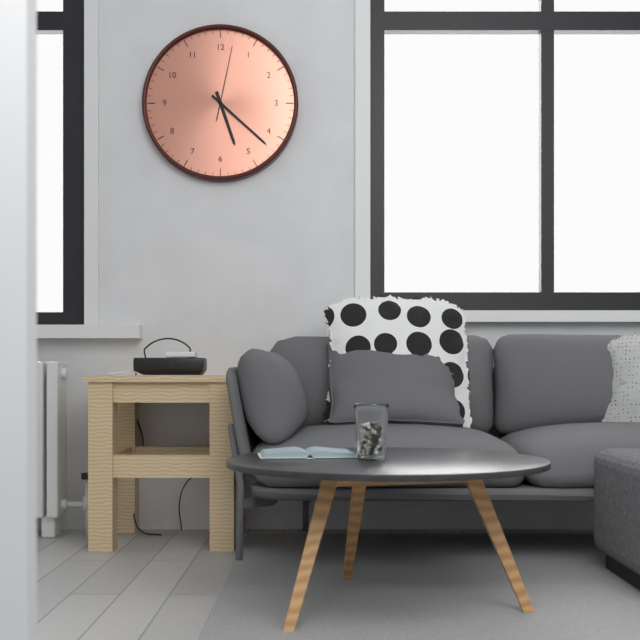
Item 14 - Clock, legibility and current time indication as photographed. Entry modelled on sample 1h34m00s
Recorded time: 5h22m02s
